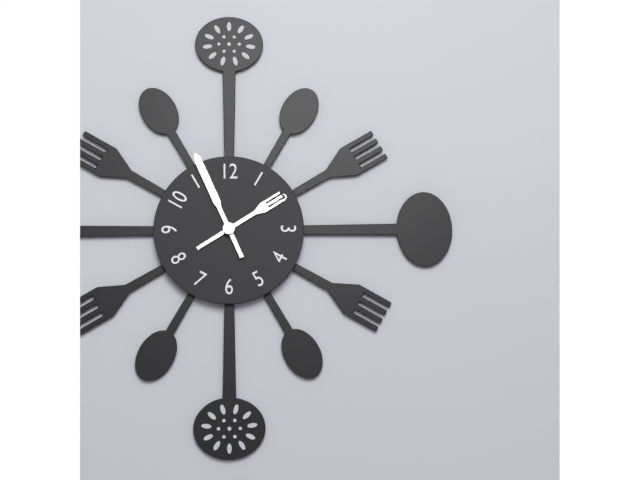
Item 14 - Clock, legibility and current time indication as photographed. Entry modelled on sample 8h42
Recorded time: 1h56
